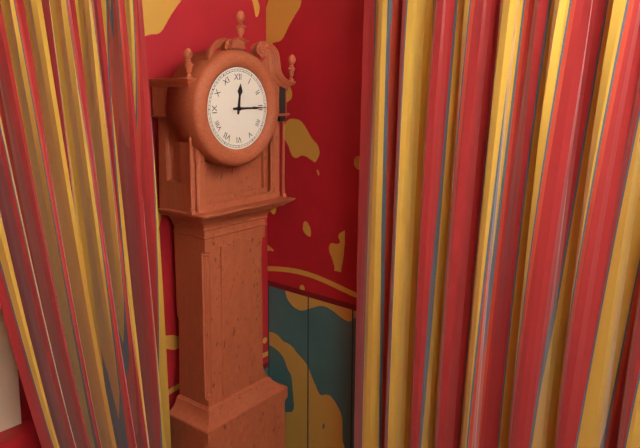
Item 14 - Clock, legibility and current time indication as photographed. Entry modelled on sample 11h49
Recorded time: 12h15
